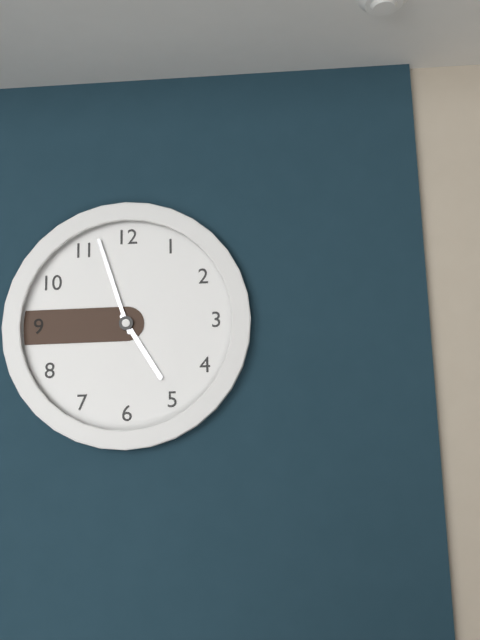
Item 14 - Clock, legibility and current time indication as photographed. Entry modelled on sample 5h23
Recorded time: 4h57
